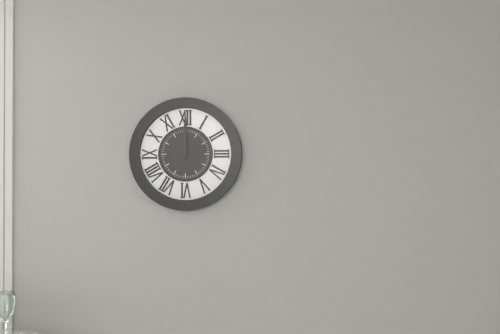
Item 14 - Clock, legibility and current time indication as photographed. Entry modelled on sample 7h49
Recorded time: 12h00
